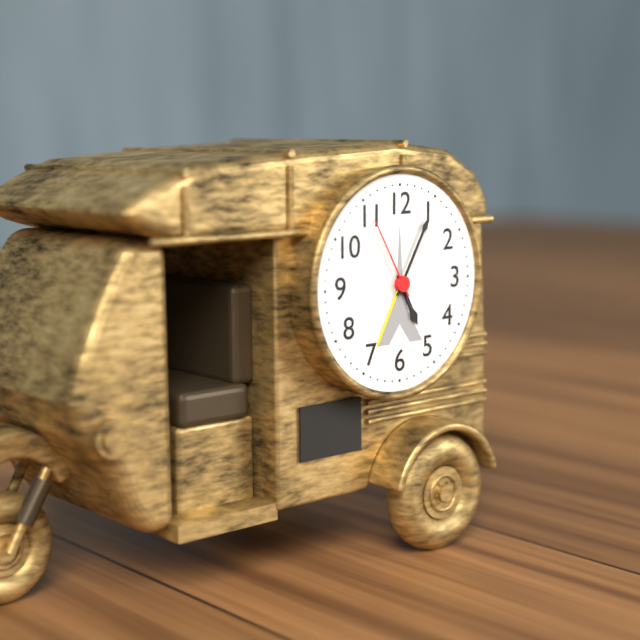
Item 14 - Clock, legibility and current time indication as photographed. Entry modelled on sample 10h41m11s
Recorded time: 5h05m55s
